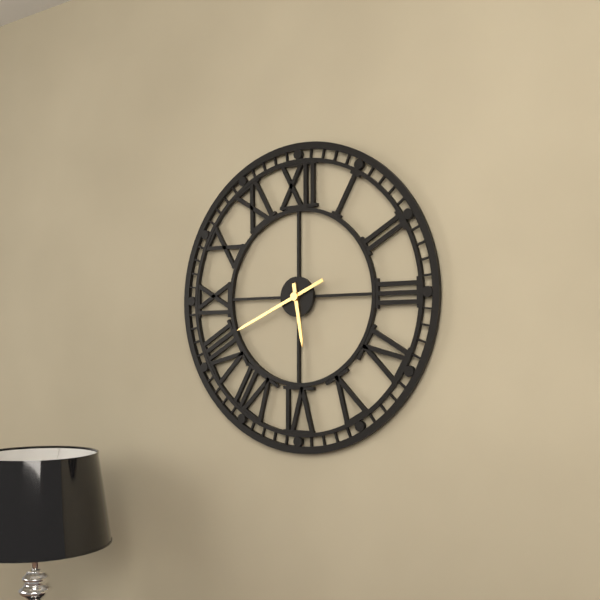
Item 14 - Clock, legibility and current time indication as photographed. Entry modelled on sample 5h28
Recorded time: 5h41
